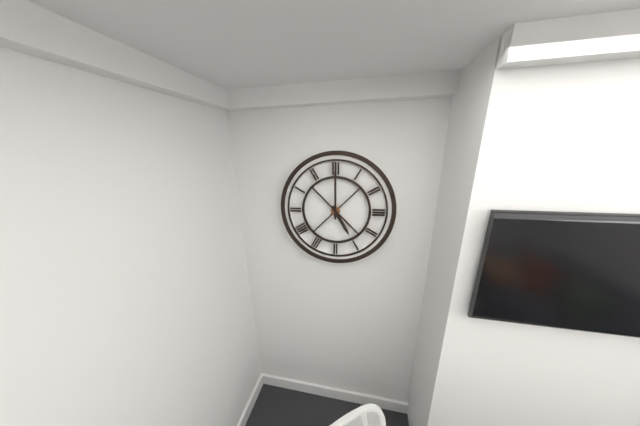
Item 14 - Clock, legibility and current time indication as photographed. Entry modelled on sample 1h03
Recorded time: 5h00
